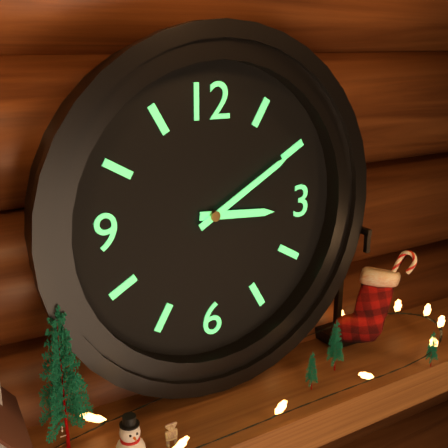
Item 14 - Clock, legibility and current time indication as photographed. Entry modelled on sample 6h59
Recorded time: 3h10
